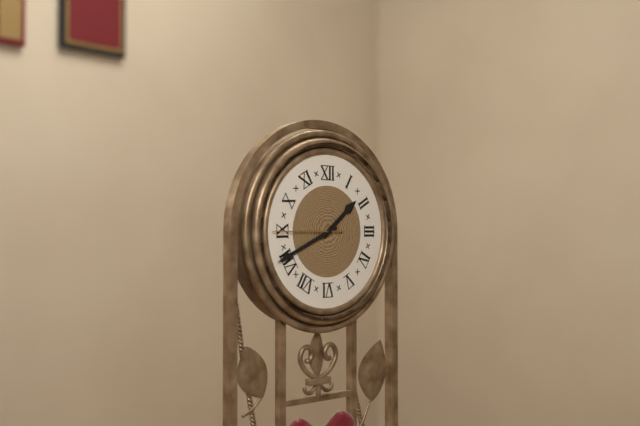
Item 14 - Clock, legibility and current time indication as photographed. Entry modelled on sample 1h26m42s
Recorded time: 1h41m45s
